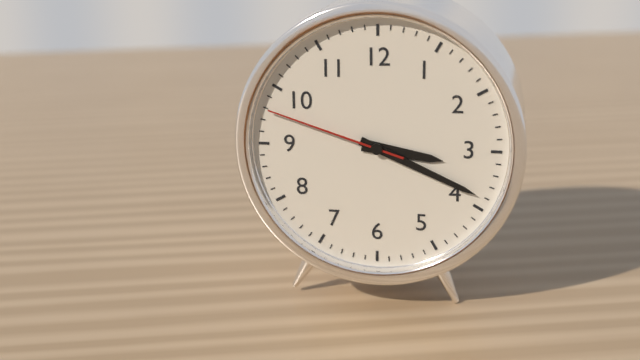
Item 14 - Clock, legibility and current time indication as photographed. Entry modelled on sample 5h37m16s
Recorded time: 3h19m48s
